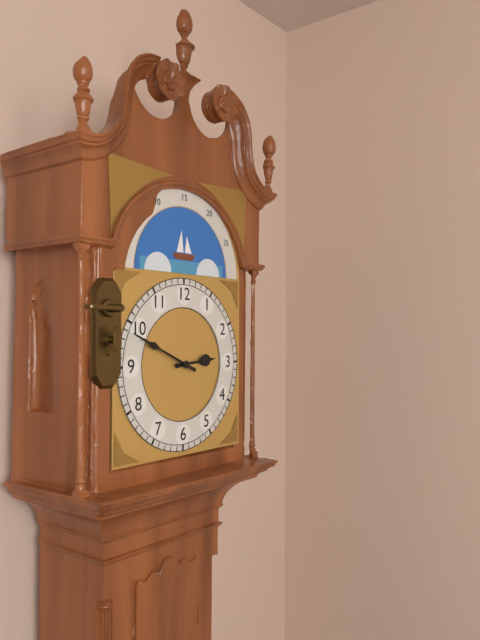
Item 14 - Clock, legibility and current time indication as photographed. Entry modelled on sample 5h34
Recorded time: 2h49
